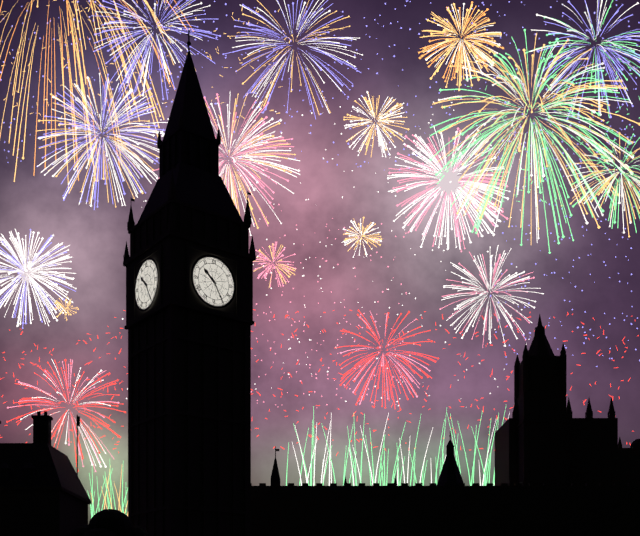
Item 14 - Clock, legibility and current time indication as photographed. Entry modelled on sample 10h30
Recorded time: 10h25
